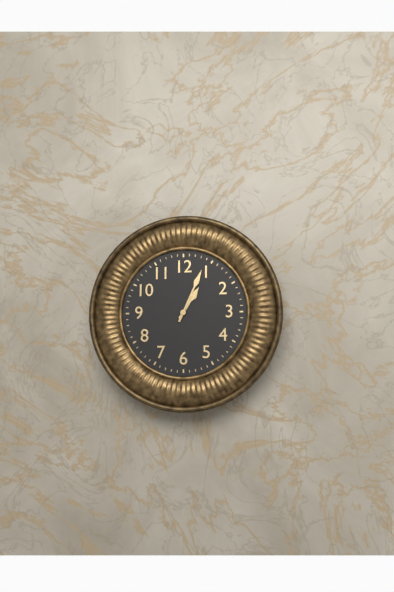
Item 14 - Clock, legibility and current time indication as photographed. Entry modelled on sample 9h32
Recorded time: 1h04
